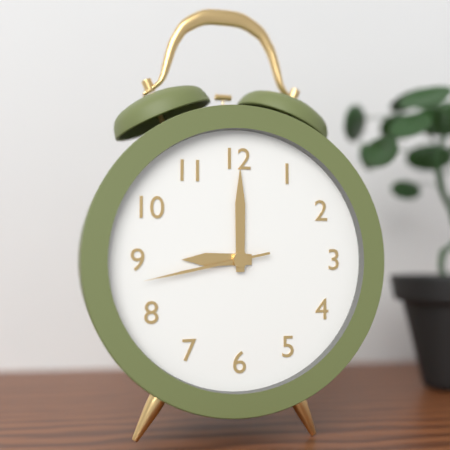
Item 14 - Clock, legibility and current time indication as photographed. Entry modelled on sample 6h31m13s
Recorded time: 9h00m43s
